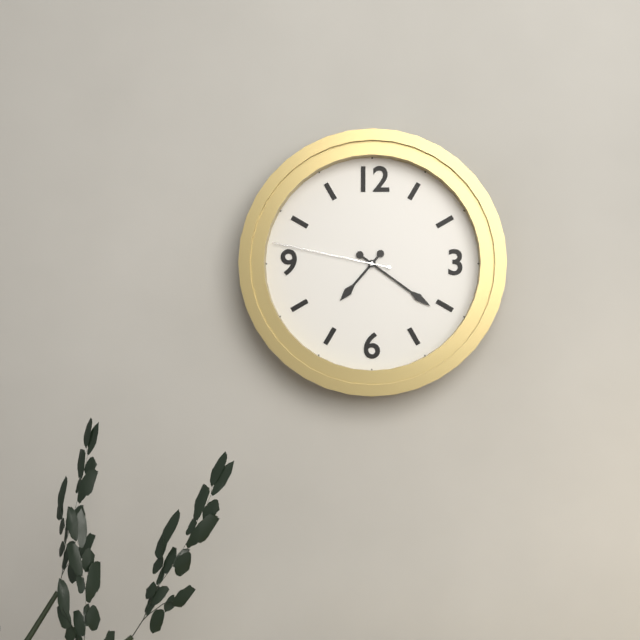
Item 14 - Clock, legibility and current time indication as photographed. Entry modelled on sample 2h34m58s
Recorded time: 7h21m47s
